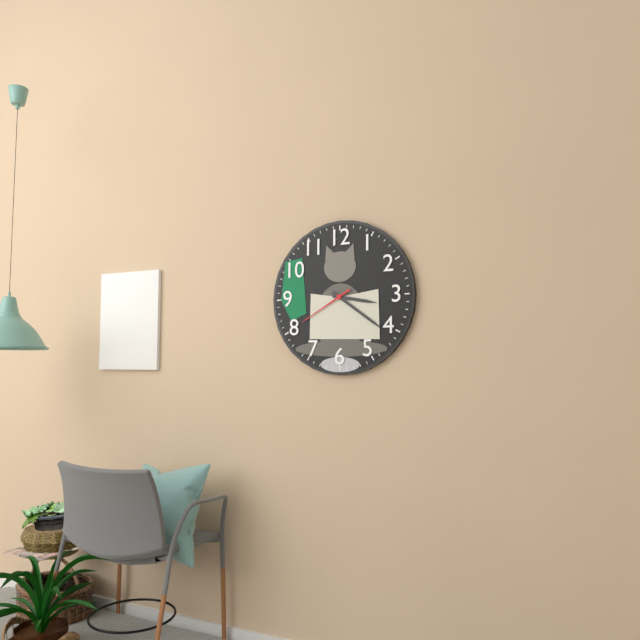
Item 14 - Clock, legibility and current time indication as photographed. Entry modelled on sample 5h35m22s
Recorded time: 3h21m40s
